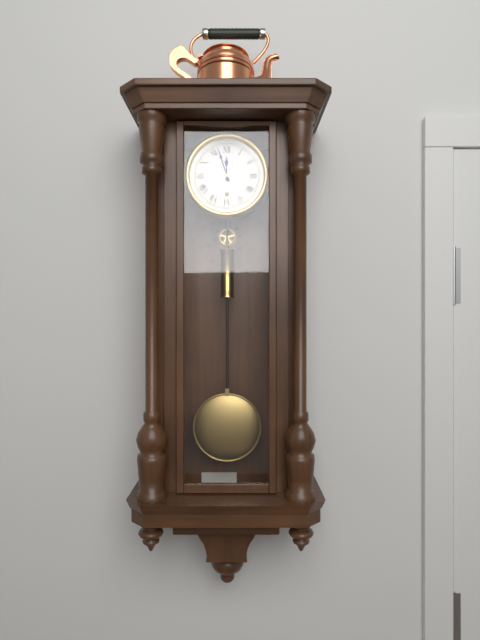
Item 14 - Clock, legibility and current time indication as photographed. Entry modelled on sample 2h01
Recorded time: 11h57
